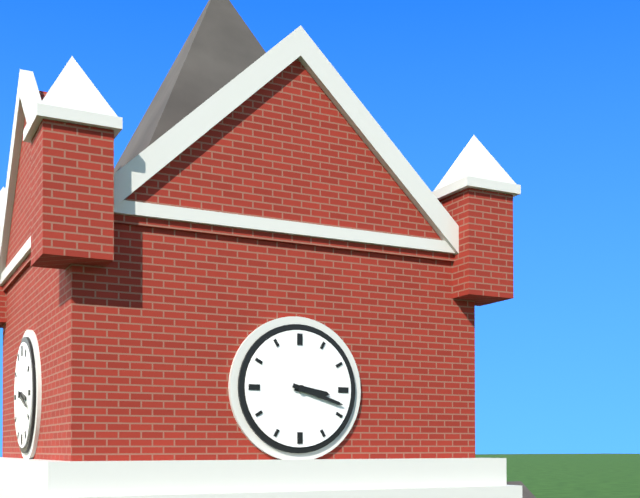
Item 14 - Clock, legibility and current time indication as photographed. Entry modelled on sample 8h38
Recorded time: 3h18
